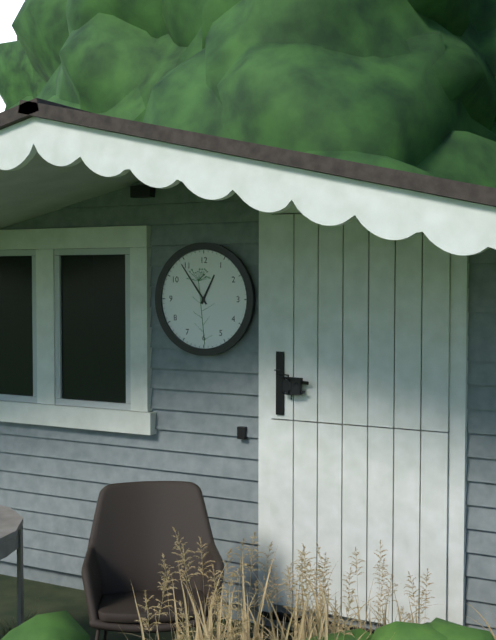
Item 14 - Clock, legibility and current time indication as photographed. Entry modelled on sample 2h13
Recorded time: 12h54
